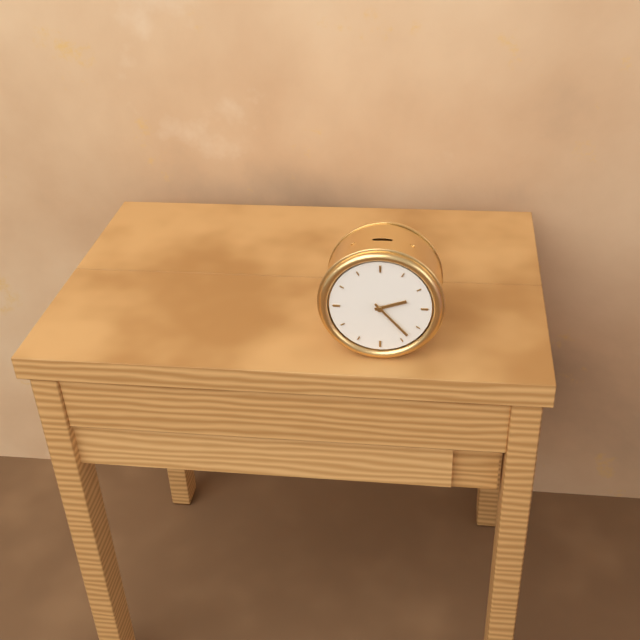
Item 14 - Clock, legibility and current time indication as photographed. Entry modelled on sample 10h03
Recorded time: 2h23
